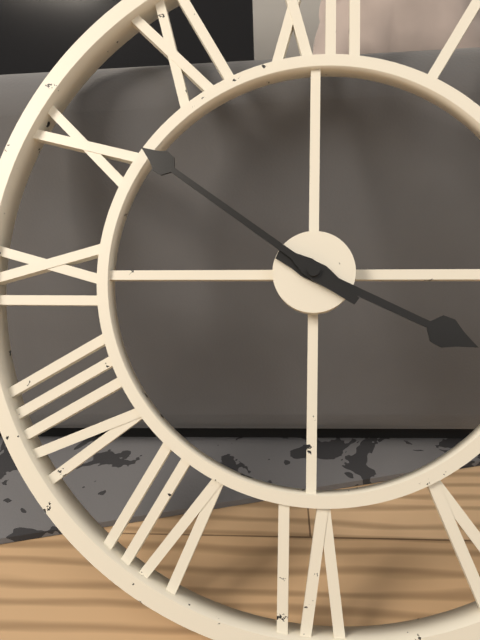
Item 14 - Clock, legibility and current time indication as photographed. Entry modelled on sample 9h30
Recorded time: 3h51
